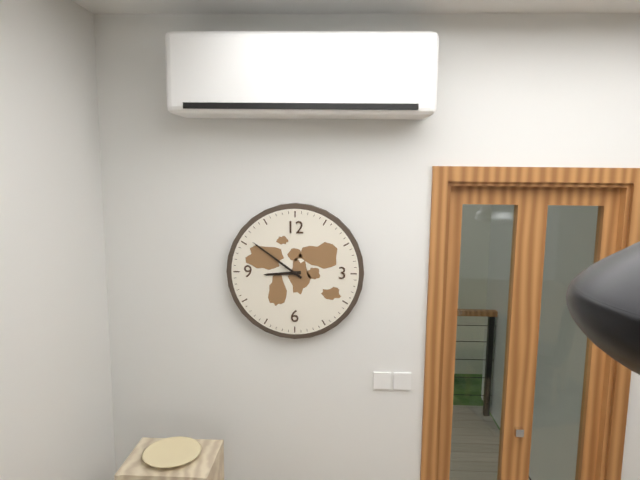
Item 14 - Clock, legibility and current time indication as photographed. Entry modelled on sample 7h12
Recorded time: 8h51
